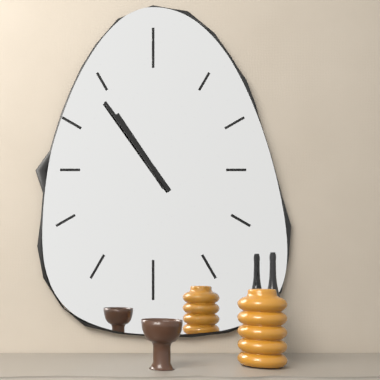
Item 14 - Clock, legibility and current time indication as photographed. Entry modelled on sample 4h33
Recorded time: 10h54
